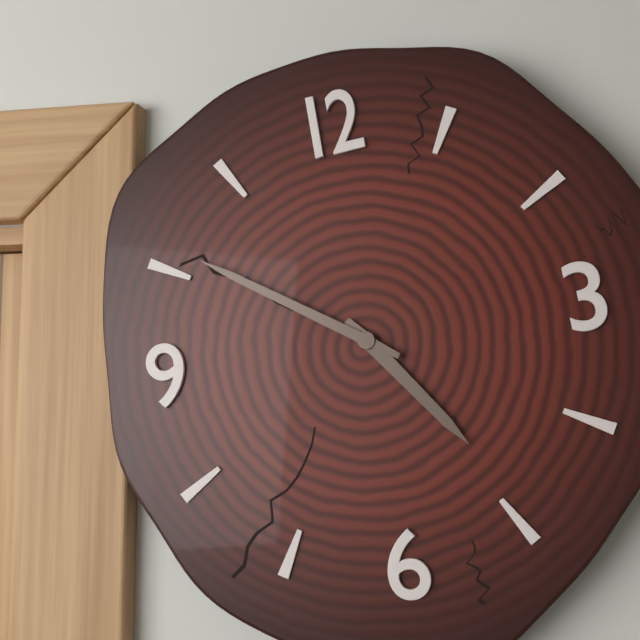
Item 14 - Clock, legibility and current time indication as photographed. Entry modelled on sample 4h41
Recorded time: 4h51
